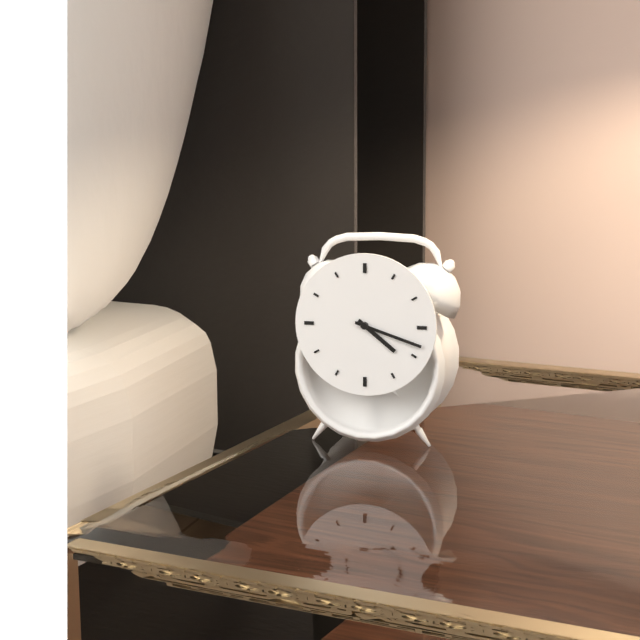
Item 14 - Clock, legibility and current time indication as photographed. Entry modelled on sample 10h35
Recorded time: 4h18
